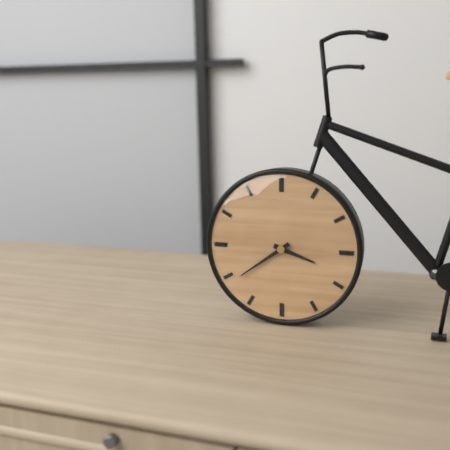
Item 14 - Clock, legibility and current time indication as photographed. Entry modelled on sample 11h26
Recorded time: 3h39
